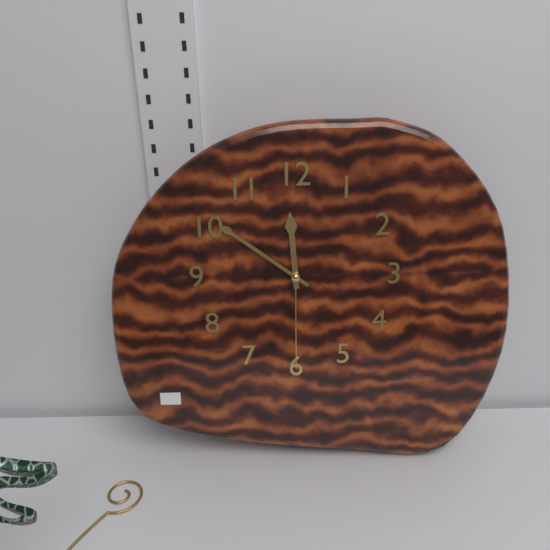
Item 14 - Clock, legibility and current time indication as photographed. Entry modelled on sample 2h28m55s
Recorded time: 11h51m30s
